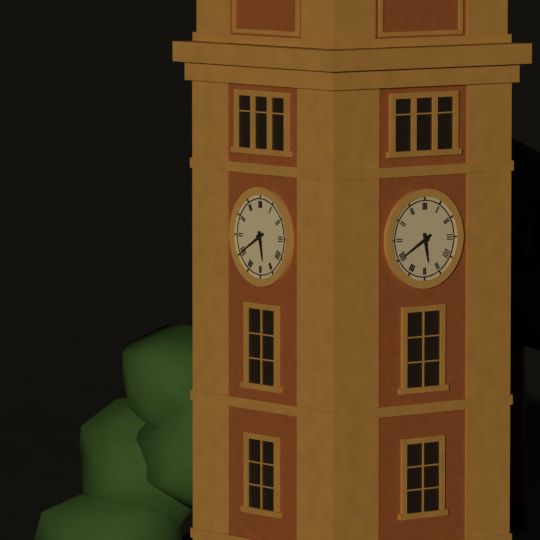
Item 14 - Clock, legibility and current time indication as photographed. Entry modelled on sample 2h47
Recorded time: 5h40
